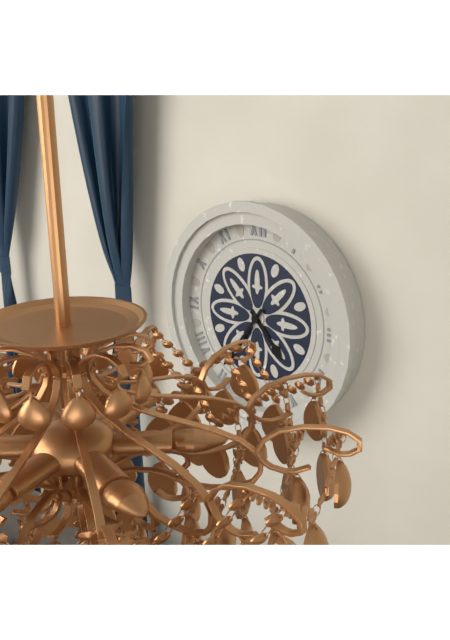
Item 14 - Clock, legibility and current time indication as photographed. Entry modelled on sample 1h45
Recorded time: 4h36
